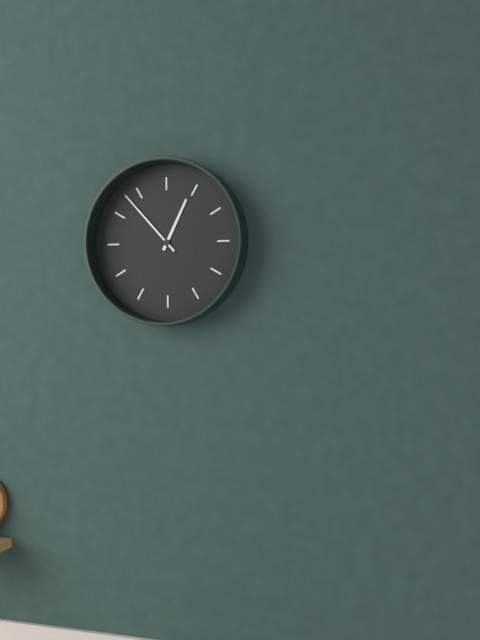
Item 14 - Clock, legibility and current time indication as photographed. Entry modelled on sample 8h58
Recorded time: 12h53
